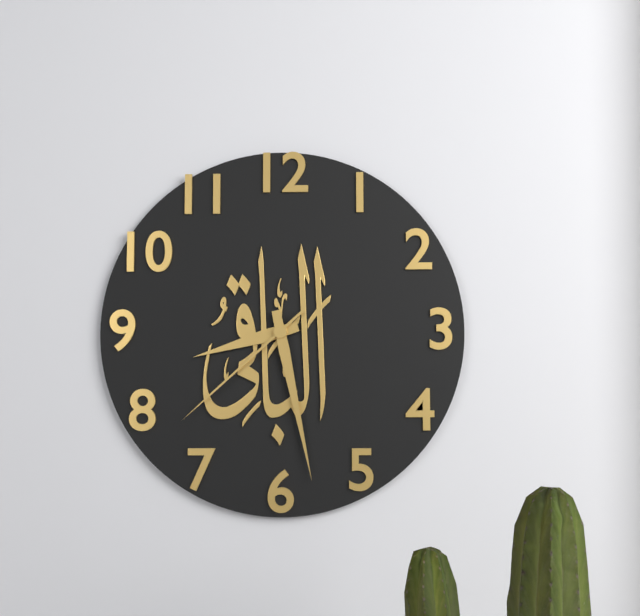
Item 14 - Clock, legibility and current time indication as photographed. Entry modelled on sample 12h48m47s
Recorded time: 8h28m38s
